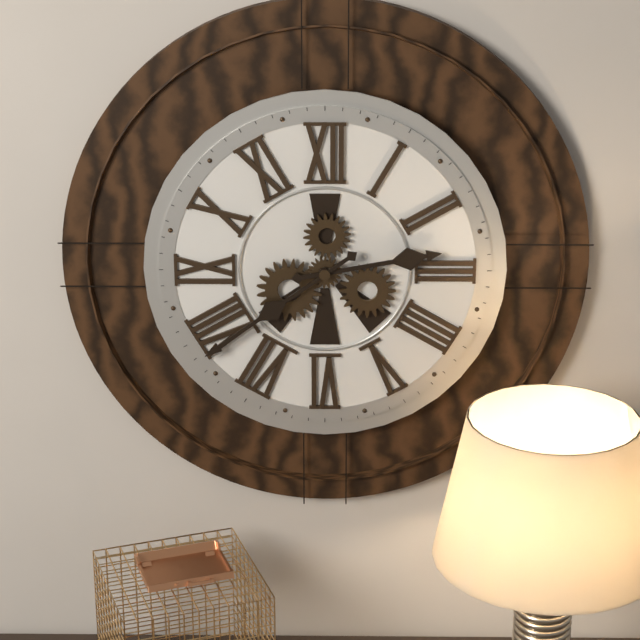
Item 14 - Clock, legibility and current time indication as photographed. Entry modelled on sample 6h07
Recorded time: 2h39
